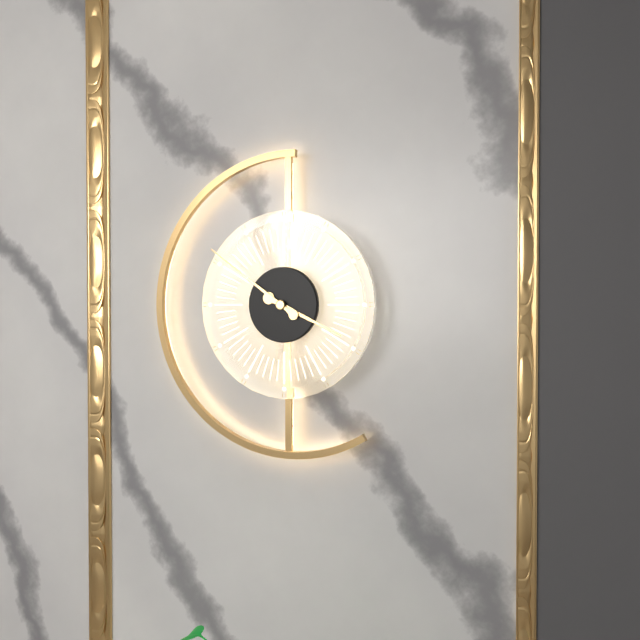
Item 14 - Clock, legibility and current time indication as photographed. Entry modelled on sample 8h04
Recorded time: 3h51
